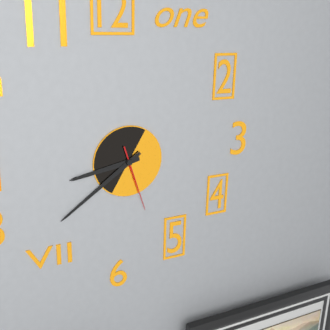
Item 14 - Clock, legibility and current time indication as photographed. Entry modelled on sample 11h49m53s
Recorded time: 8h39m27s
